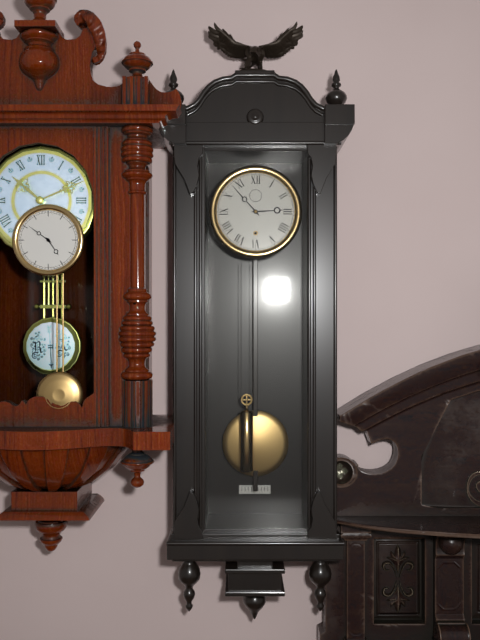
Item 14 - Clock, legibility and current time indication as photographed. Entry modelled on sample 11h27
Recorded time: 2h53
